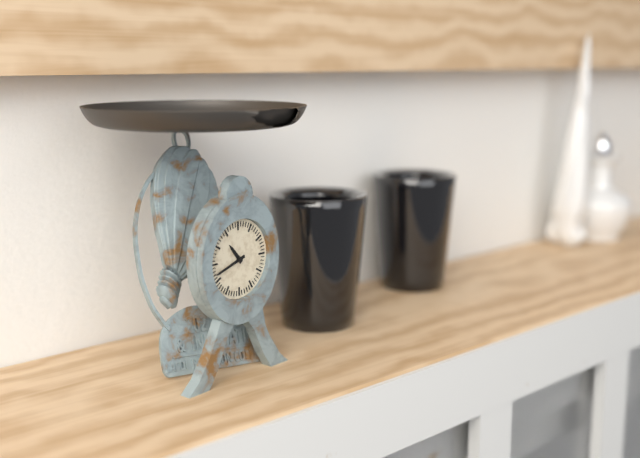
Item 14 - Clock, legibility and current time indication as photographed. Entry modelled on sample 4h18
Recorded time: 10h42
